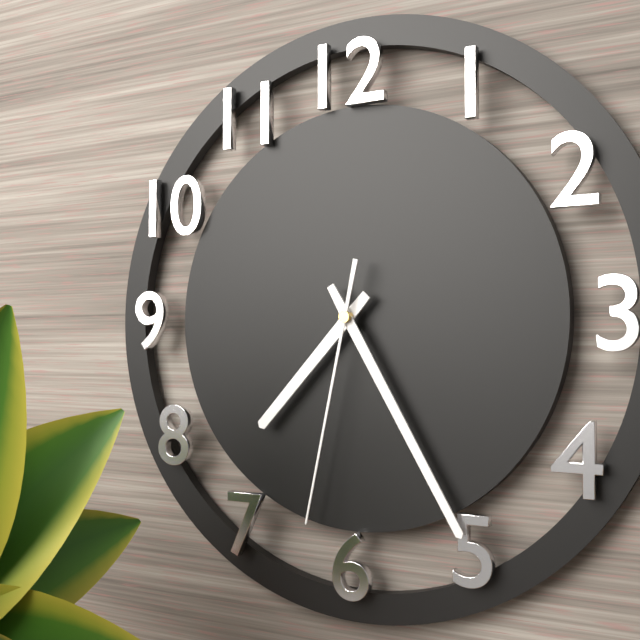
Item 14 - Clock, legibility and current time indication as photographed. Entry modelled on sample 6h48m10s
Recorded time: 7h25m32s
